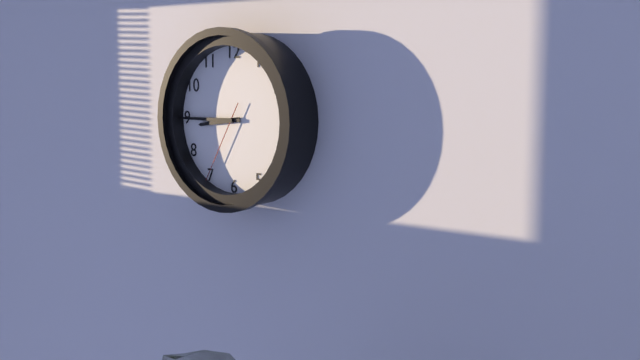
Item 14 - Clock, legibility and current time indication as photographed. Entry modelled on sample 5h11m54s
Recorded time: 8h45m35s
